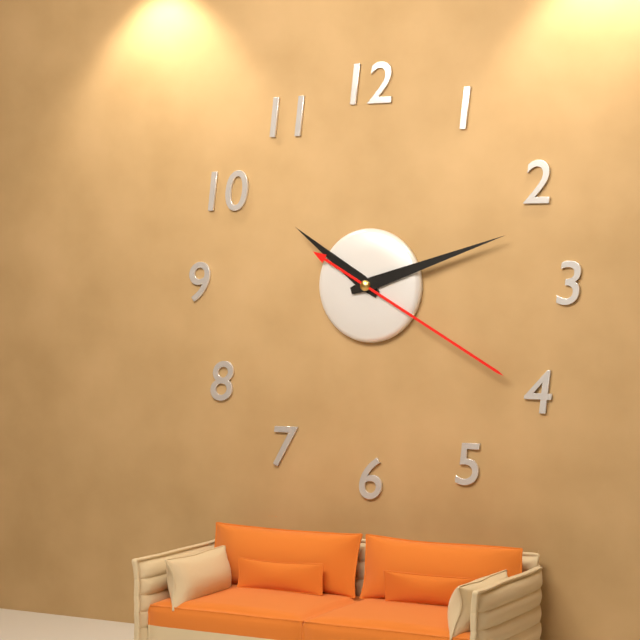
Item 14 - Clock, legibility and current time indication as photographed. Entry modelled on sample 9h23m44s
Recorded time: 10h12m20s
